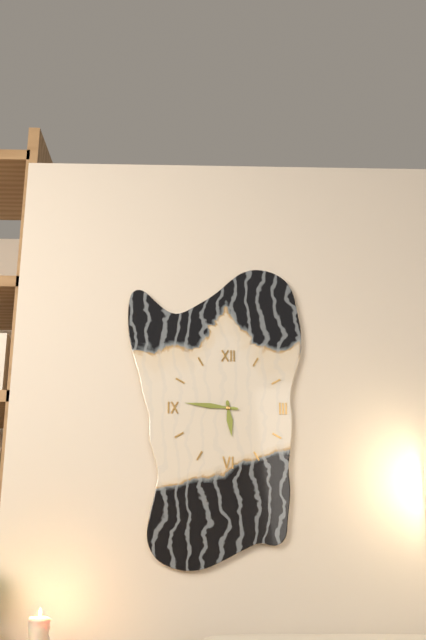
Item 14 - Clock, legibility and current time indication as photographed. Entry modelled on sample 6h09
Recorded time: 5h46
